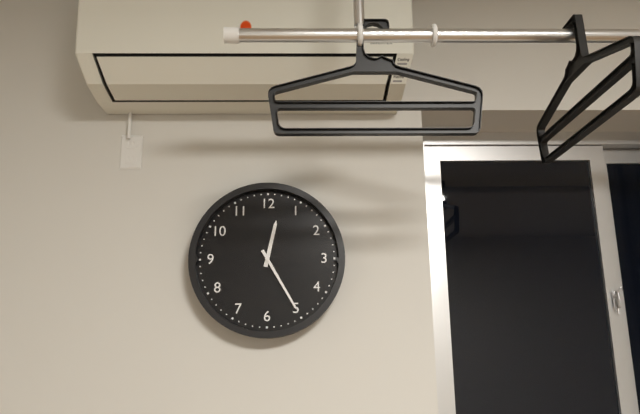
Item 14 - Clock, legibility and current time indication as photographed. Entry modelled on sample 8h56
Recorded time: 12h25
